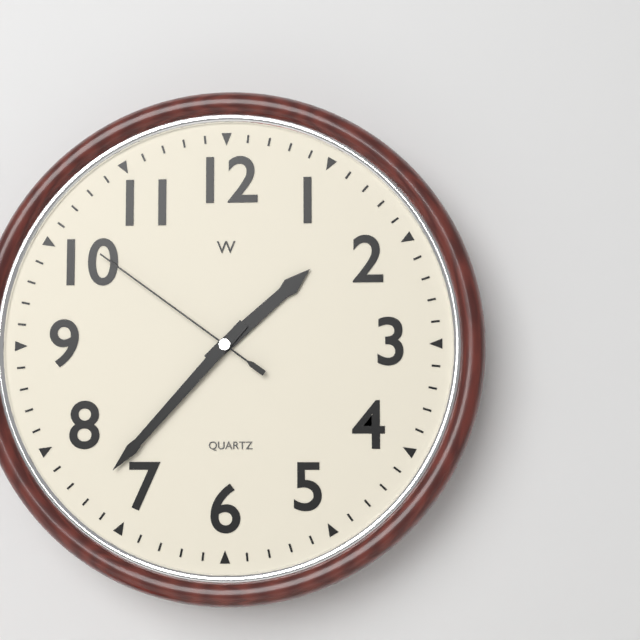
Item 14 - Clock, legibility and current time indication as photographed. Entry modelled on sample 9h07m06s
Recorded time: 1h37m51s
